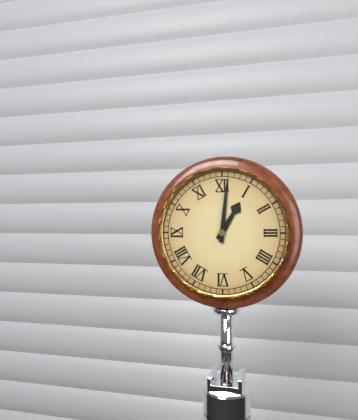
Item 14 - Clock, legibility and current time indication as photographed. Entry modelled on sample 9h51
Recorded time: 1h01
